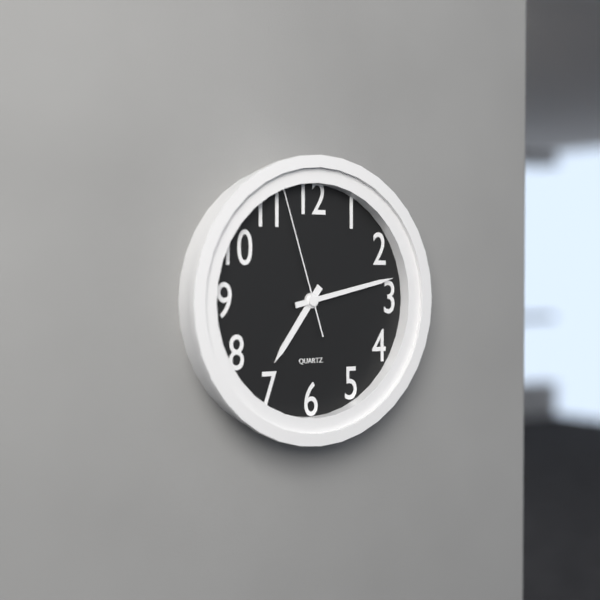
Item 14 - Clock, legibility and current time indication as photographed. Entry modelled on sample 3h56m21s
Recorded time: 7h13m57s
